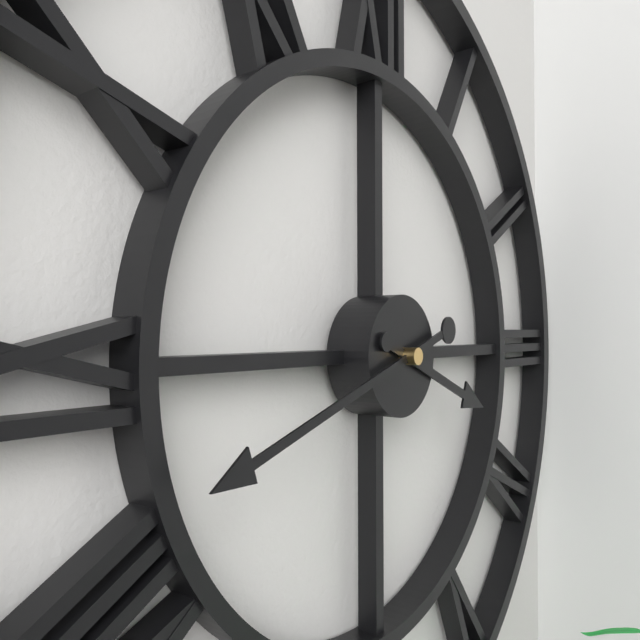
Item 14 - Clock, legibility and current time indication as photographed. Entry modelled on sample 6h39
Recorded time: 3h42
